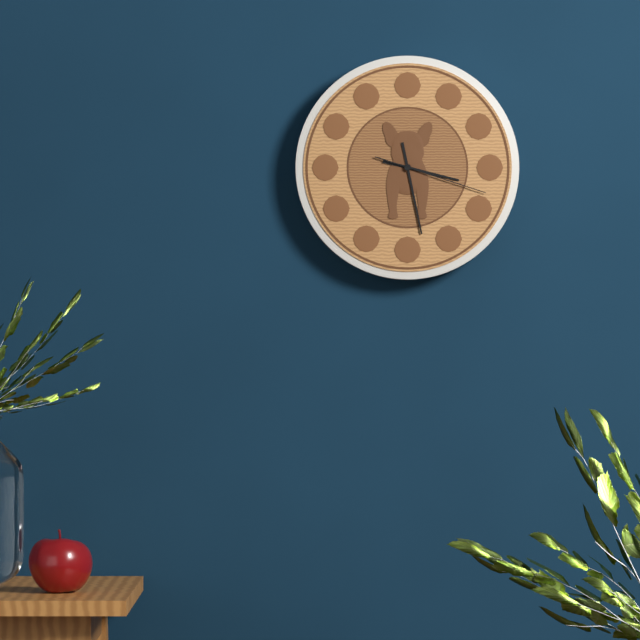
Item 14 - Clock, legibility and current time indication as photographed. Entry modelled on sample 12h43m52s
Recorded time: 3h28m18s
